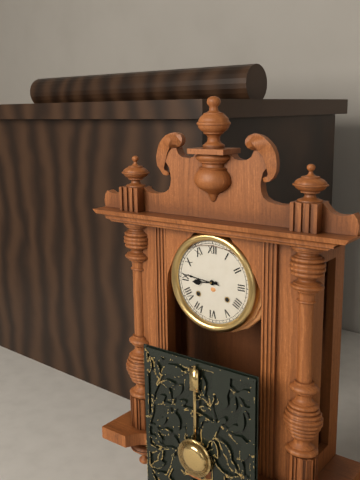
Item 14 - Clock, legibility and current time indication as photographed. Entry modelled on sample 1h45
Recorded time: 8h46
